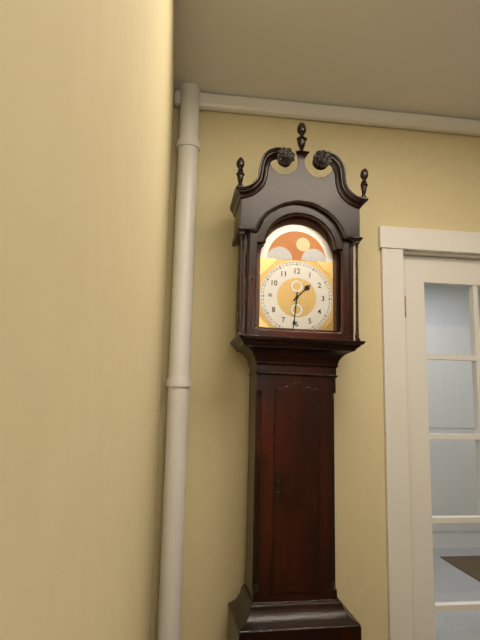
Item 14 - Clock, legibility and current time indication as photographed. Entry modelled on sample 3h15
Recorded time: 1h31
